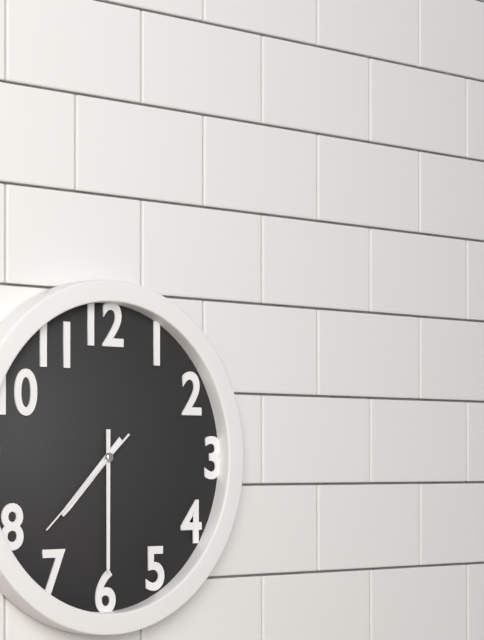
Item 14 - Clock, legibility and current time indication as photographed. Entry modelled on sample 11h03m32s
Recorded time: 7h30m38s
